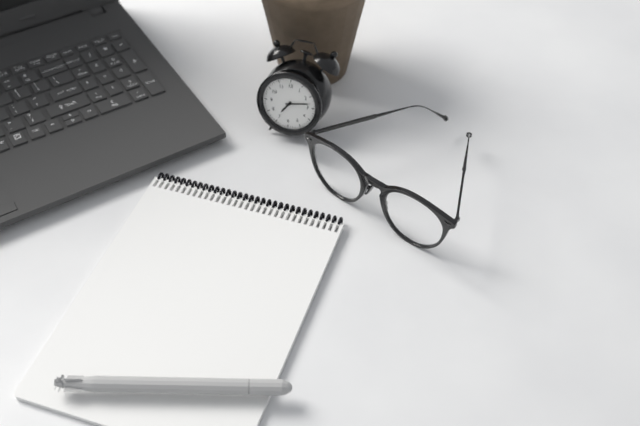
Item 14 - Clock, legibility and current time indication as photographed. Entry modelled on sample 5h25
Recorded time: 7h13
